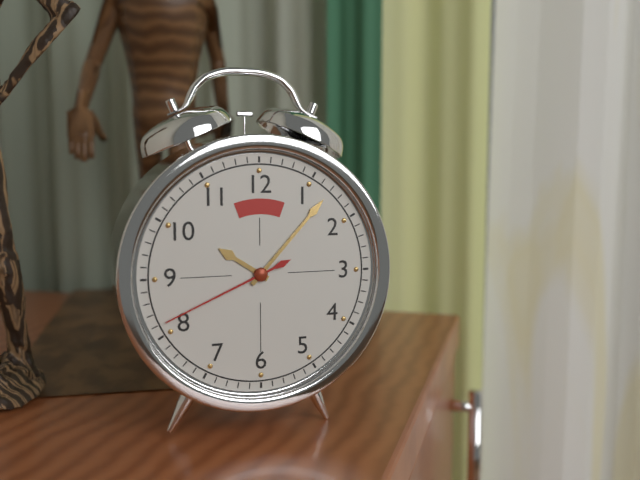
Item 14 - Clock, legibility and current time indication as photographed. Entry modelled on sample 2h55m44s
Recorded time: 10h07m41s
